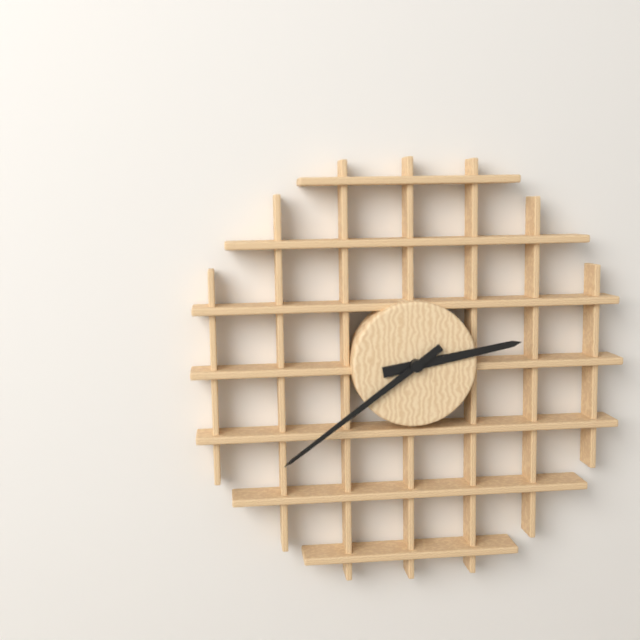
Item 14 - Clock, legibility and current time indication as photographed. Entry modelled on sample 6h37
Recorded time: 2h39
